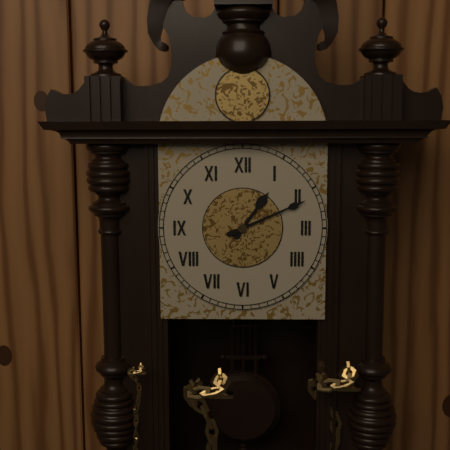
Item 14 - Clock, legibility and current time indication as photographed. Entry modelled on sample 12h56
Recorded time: 1h11
